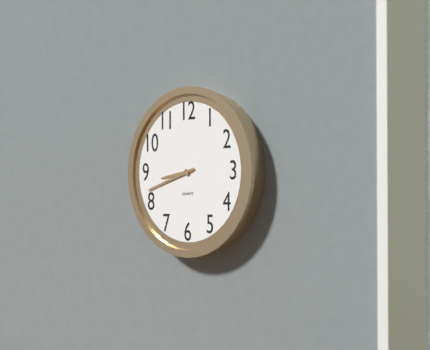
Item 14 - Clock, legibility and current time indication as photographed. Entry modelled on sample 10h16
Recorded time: 8h42
